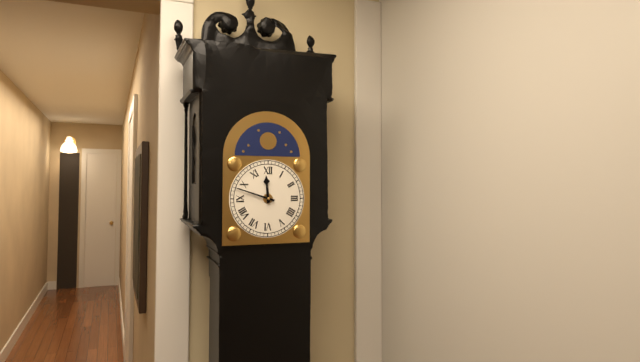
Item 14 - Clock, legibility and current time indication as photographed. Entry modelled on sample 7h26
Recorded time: 11h48
